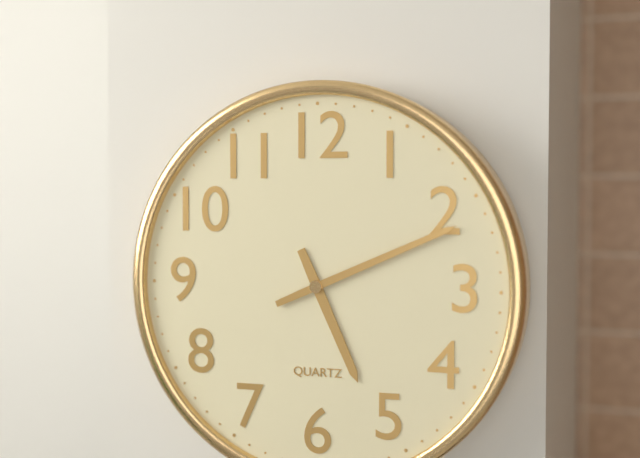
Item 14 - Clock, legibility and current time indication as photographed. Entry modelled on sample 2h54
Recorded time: 5h11
